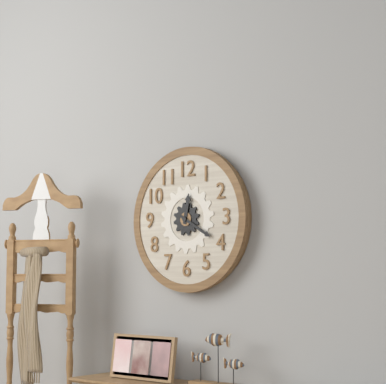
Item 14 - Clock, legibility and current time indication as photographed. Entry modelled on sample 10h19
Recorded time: 12h20
